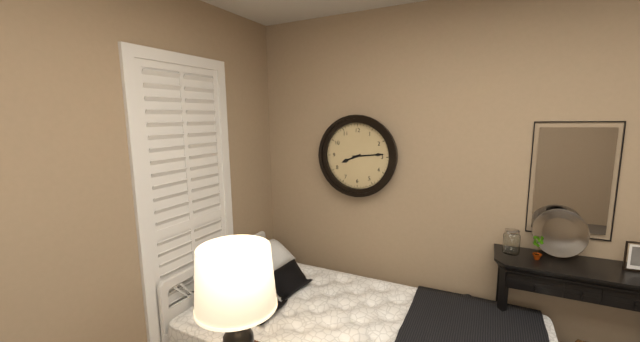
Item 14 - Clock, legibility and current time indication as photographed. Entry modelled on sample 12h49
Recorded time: 8h14
